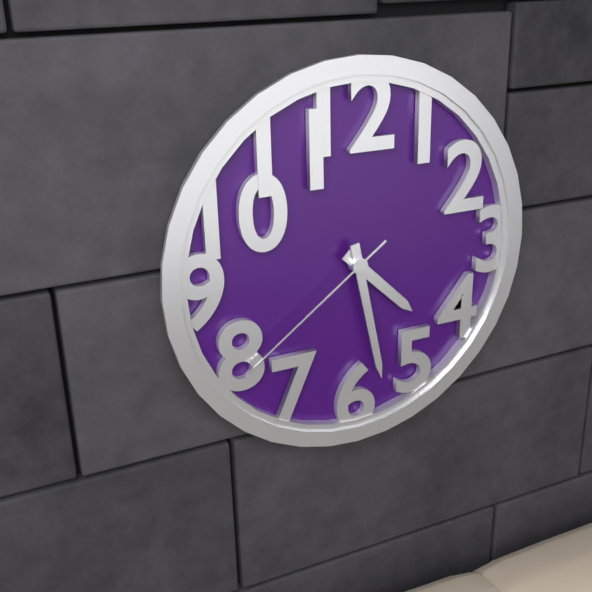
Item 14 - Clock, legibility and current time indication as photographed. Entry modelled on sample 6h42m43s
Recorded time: 4h28m39s
